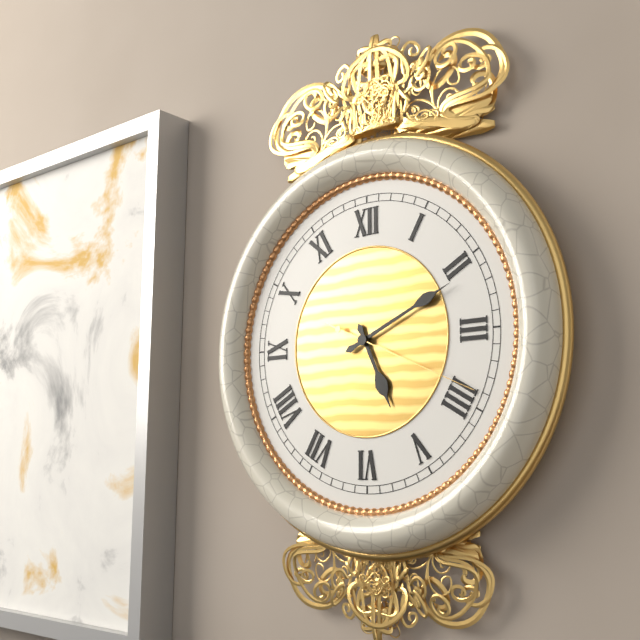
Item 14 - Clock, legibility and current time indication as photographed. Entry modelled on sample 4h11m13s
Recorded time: 5h11m19s
